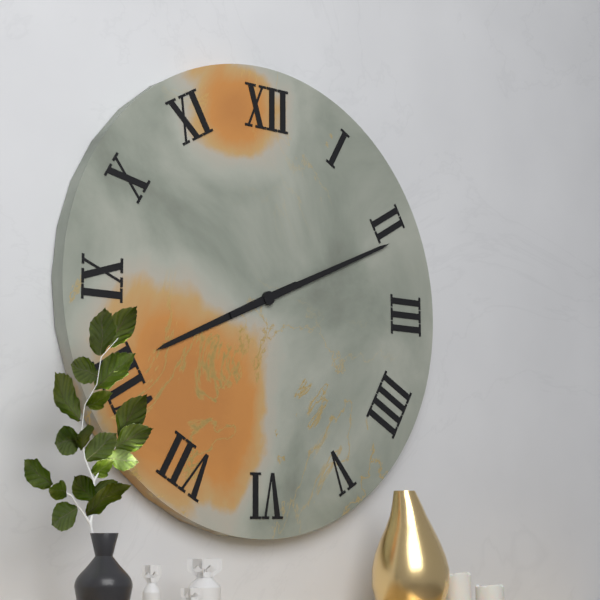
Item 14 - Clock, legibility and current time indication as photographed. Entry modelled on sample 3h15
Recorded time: 8h11
